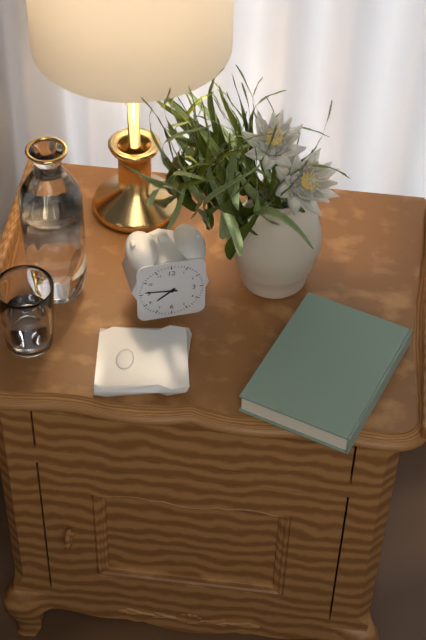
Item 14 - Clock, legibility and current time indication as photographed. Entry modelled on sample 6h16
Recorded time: 7h46
